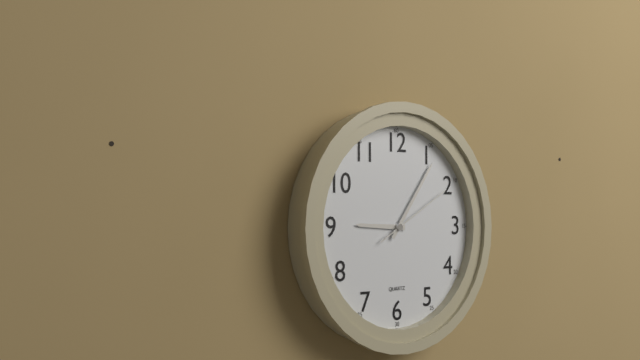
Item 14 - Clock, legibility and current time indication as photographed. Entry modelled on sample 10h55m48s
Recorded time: 9h06m10s
